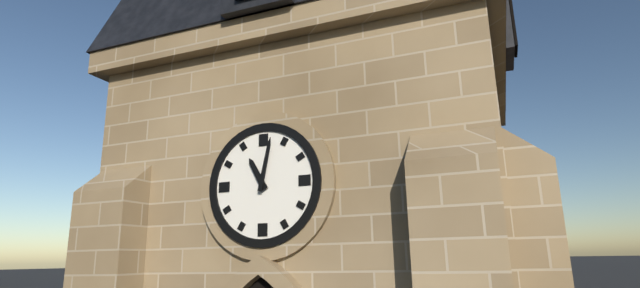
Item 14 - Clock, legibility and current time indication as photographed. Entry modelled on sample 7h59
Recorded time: 11h02
